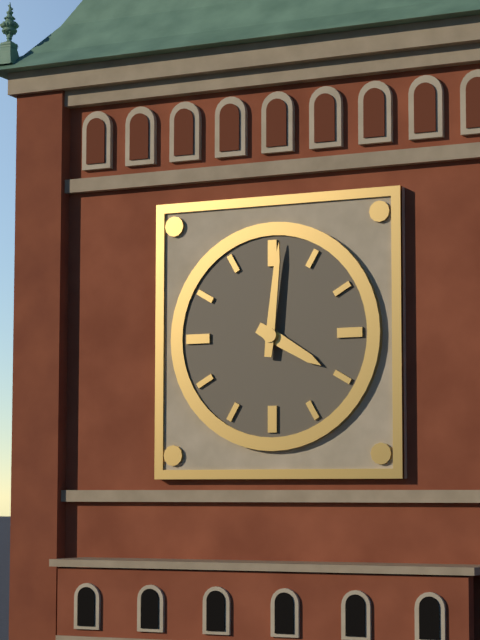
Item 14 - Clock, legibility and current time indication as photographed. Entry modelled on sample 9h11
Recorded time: 4h01
